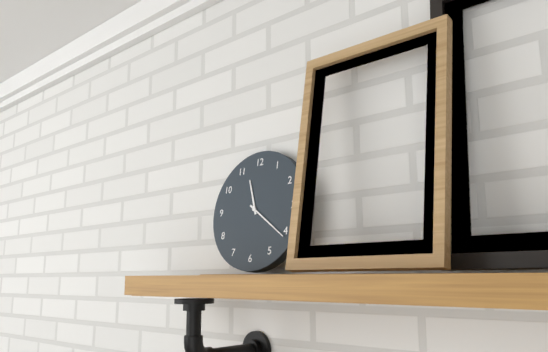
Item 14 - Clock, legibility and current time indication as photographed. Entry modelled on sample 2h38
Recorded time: 11h21
